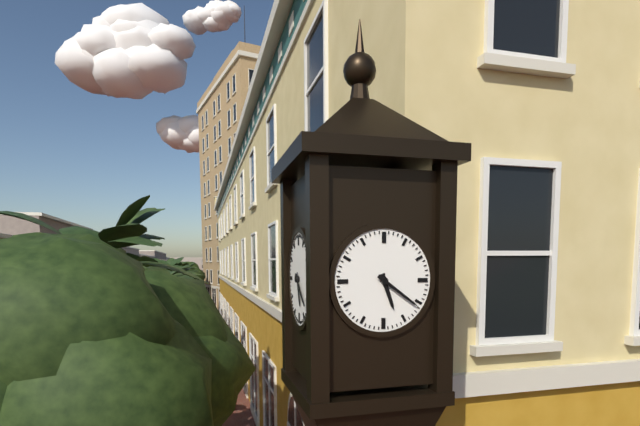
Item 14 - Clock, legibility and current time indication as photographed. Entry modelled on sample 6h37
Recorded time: 5h21
